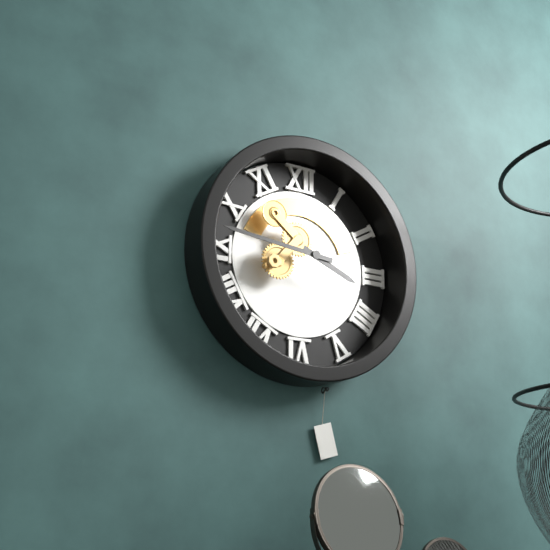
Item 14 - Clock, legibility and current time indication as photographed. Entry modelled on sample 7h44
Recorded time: 3h46
